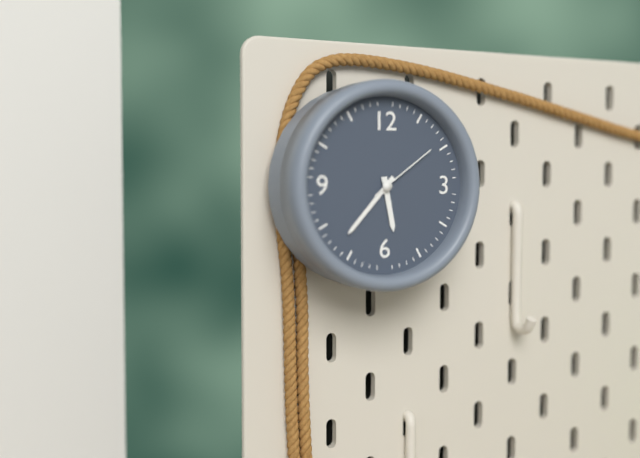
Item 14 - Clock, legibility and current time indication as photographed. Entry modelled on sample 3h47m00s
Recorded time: 5h37m09s
